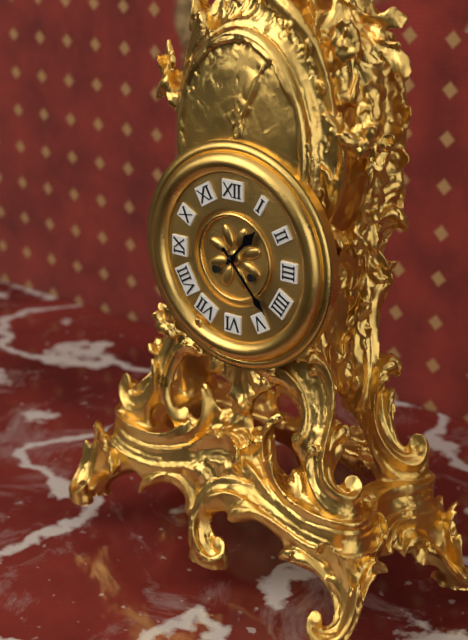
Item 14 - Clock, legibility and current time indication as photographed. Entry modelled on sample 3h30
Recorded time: 1h23
